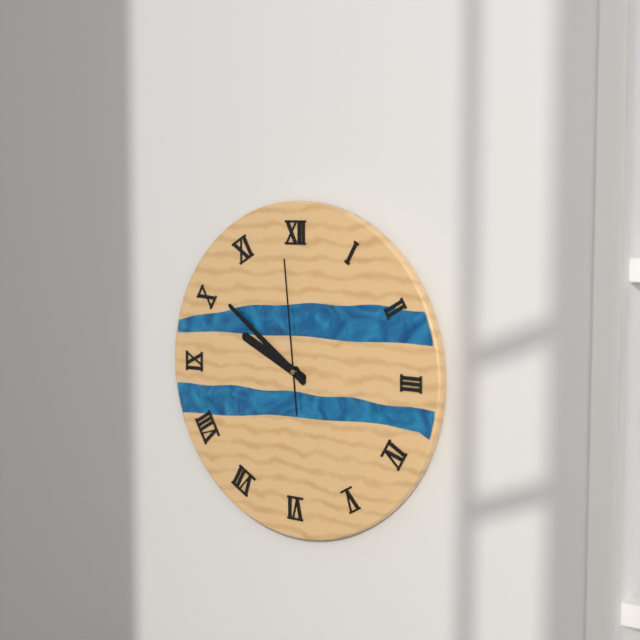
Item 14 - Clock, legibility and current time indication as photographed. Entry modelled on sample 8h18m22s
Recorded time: 9h51m59s
